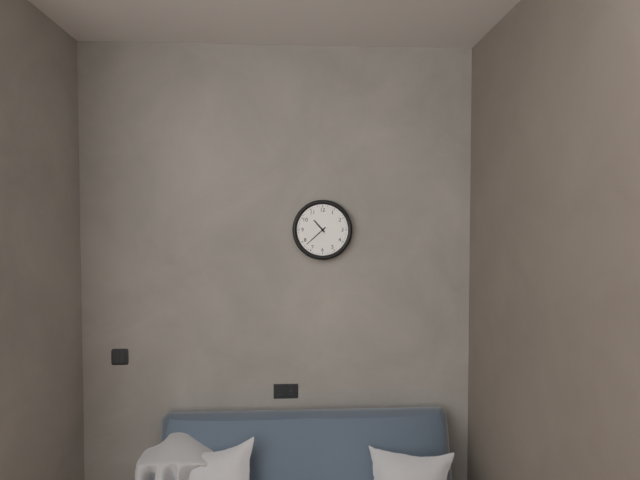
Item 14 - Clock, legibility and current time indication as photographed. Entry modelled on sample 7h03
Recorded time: 10h38
